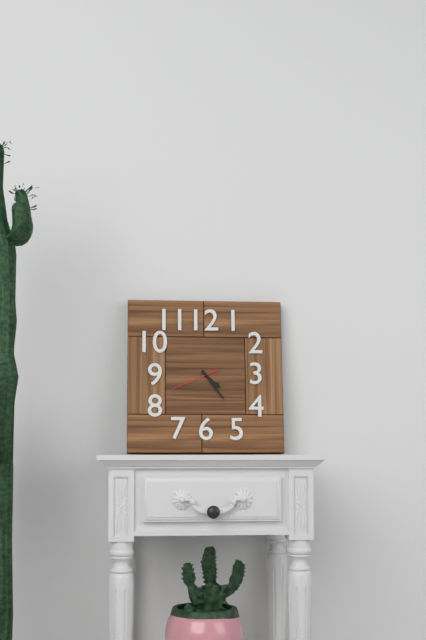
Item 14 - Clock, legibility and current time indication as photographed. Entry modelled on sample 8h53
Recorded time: 4h24
